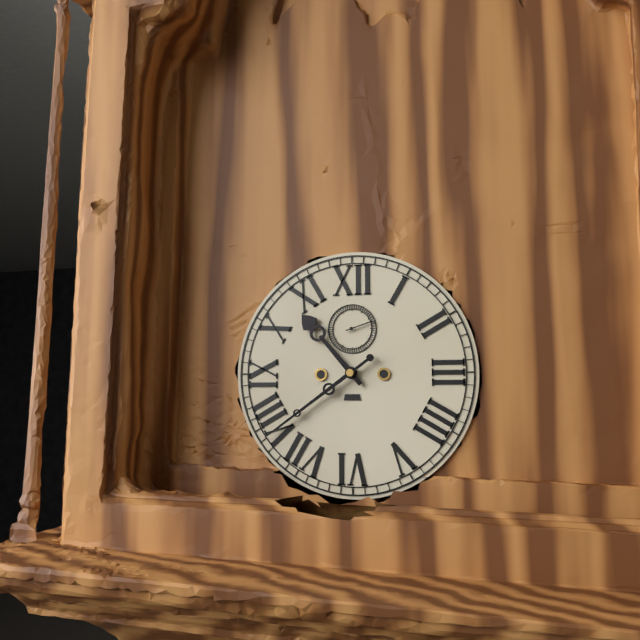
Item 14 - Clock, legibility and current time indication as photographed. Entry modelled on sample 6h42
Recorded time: 10h39
